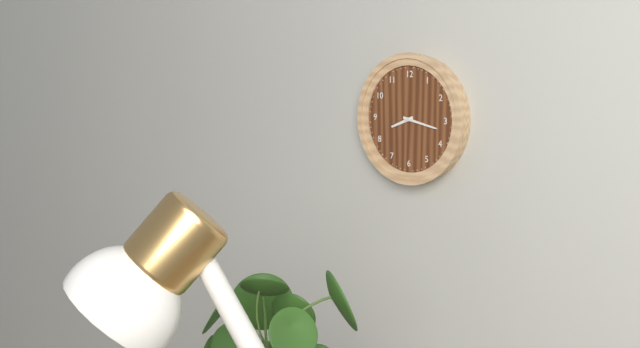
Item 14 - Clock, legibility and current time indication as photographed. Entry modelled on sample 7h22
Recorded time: 8h17
